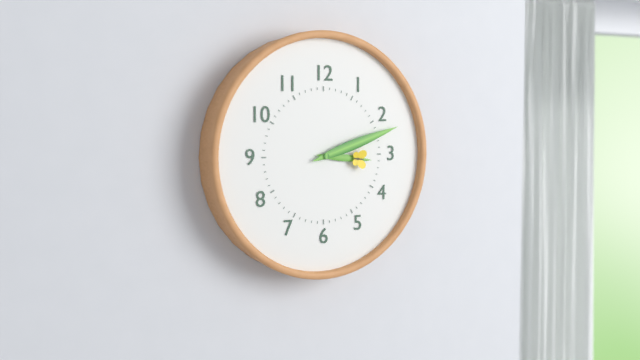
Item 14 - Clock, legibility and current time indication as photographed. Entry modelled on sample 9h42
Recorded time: 3h12
